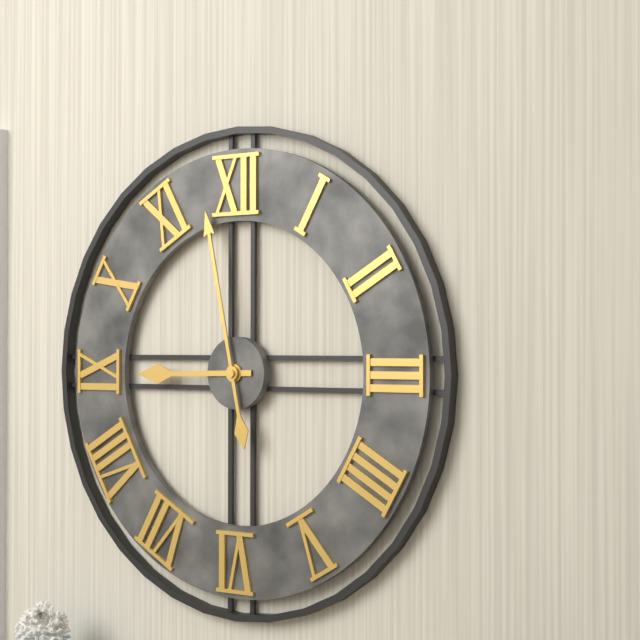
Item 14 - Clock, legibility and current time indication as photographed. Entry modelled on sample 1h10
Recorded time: 8h58
